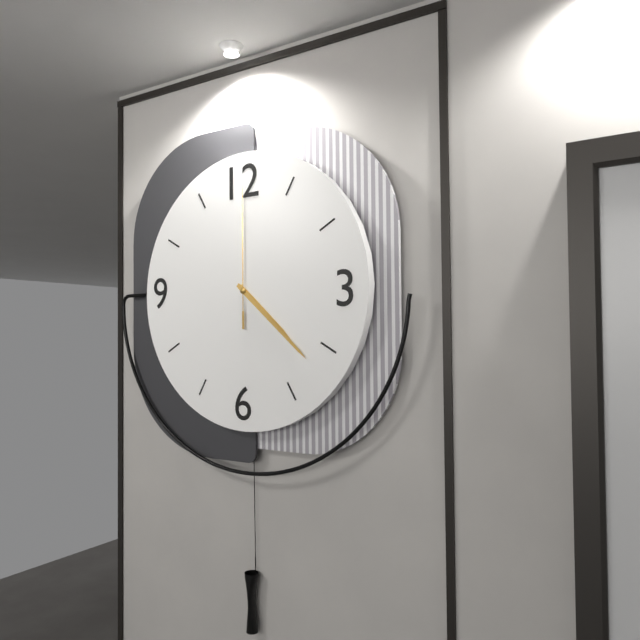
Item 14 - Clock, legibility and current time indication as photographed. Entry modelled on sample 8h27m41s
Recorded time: 4h22m00s
